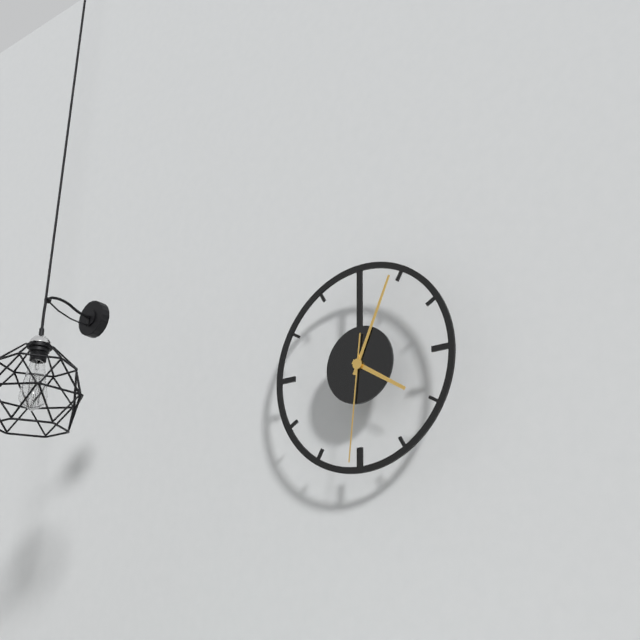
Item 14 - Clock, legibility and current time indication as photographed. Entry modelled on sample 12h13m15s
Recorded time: 4h04m31s
